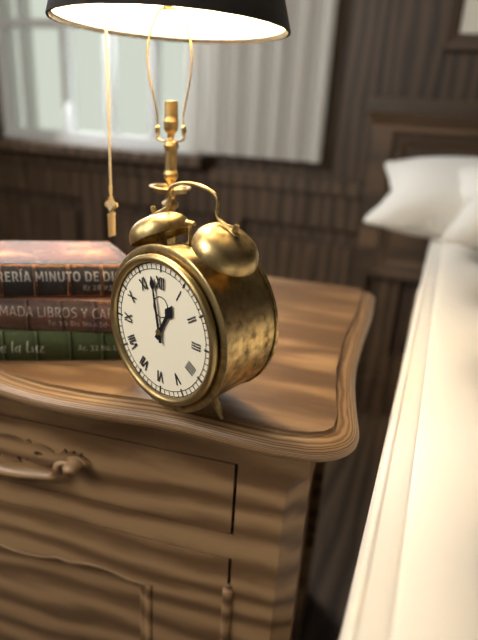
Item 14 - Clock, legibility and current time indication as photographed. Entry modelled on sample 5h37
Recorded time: 12h58
